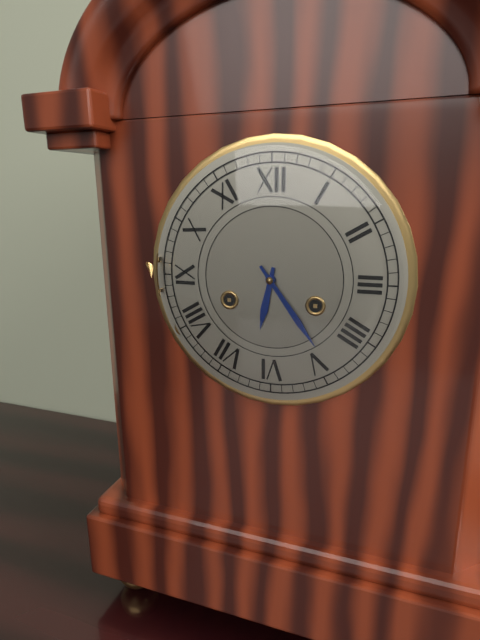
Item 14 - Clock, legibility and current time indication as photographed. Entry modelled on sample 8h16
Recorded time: 6h24
